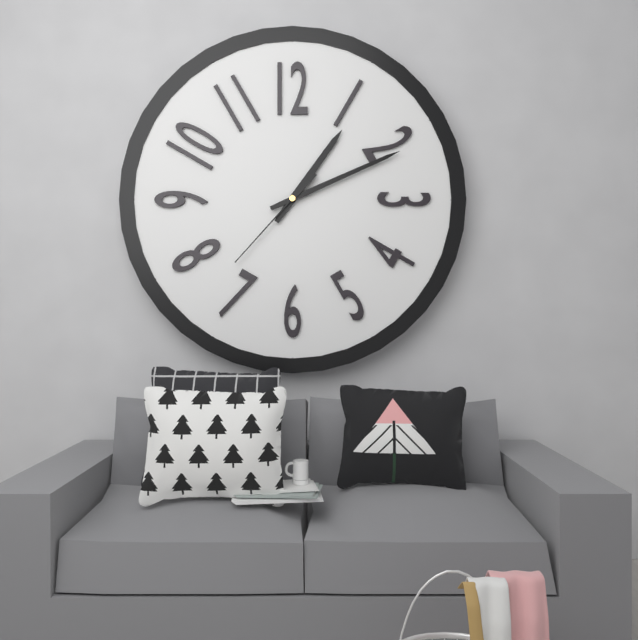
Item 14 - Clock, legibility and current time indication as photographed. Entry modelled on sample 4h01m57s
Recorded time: 1h11m37s
